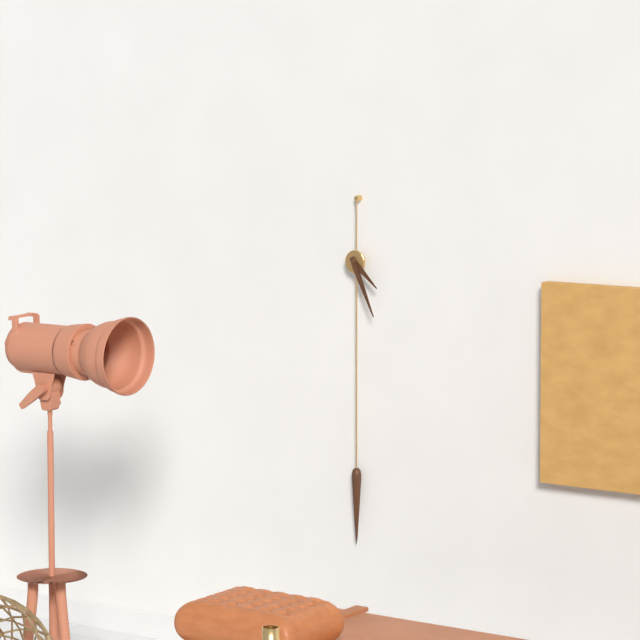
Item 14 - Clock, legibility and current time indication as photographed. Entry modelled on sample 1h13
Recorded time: 4h26
